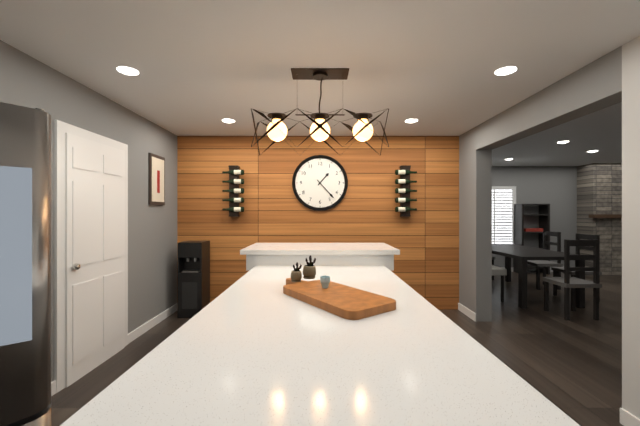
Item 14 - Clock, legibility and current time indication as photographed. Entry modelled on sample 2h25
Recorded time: 1h23
